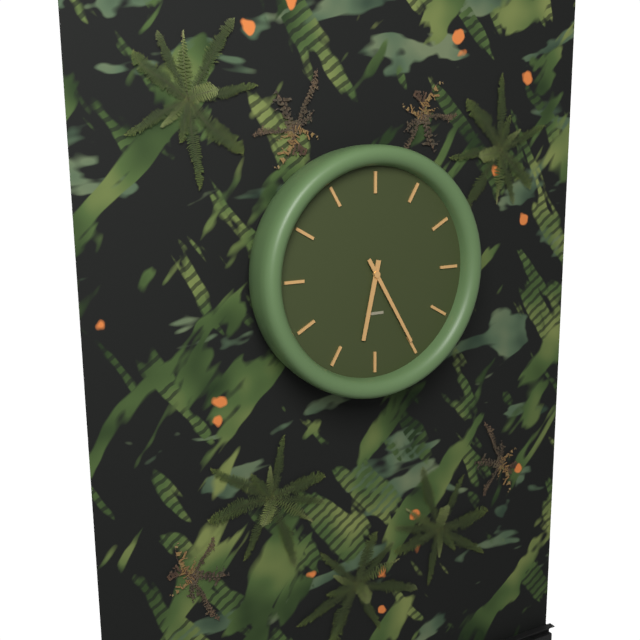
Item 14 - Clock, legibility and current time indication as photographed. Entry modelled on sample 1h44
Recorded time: 6h25
